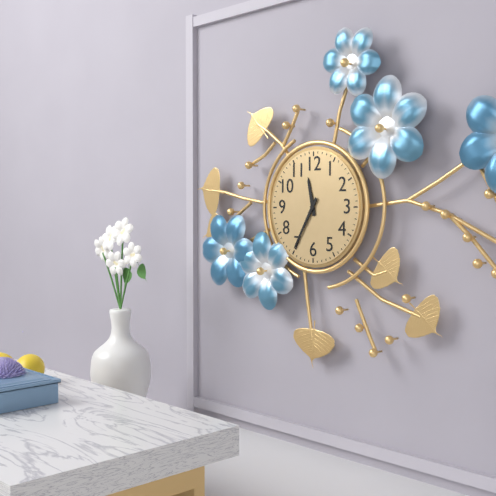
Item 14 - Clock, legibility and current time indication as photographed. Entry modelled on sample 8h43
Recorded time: 11h35
